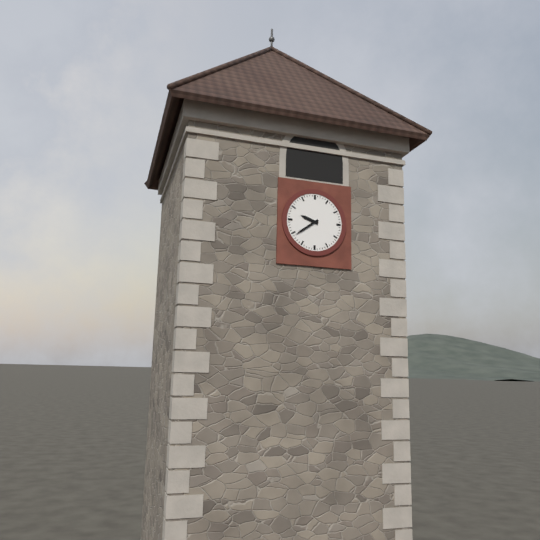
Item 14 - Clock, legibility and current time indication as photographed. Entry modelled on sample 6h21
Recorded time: 9h39
